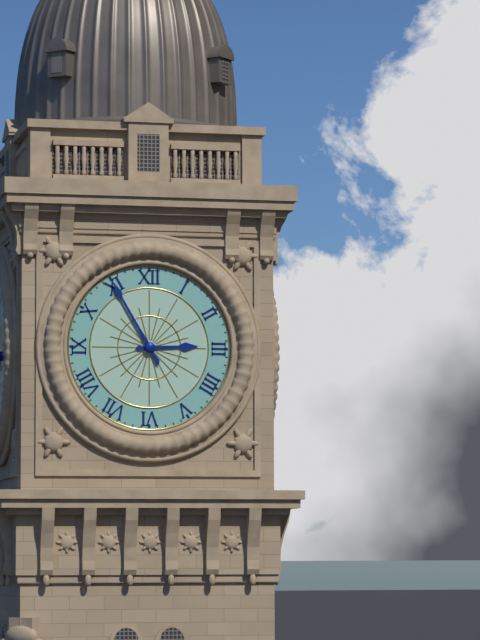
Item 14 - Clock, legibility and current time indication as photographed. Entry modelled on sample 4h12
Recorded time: 2h55
